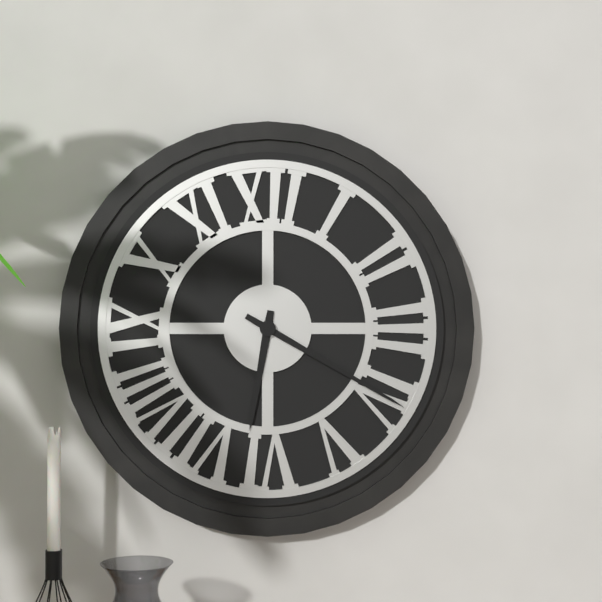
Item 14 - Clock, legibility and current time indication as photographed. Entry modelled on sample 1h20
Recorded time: 6h20
